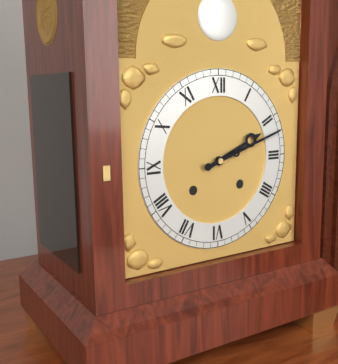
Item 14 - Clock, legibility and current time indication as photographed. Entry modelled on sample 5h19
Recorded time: 2h12
